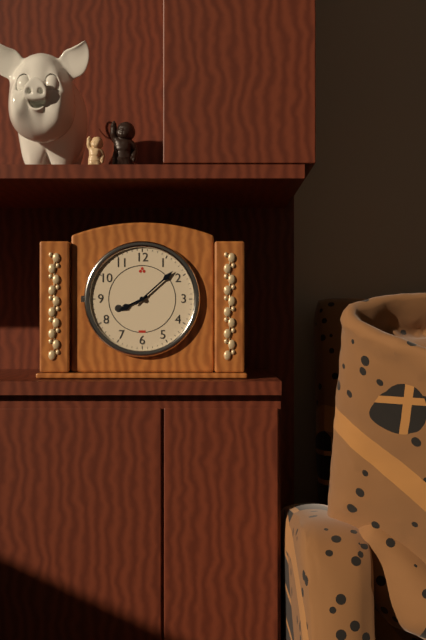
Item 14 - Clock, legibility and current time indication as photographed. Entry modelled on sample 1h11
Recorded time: 8h08
